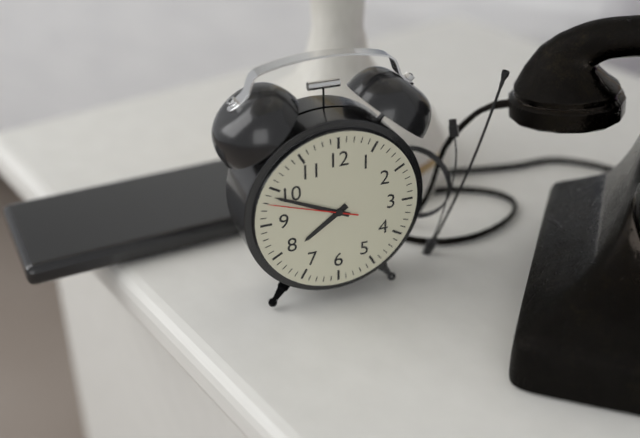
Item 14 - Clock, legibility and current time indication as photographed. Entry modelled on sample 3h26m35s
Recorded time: 7h49m48s
